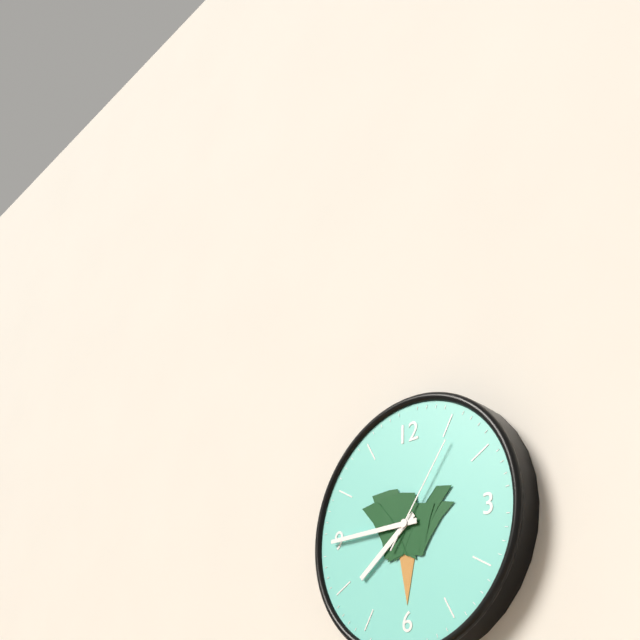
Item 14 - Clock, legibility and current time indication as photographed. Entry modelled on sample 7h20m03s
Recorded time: 7h45m06s
